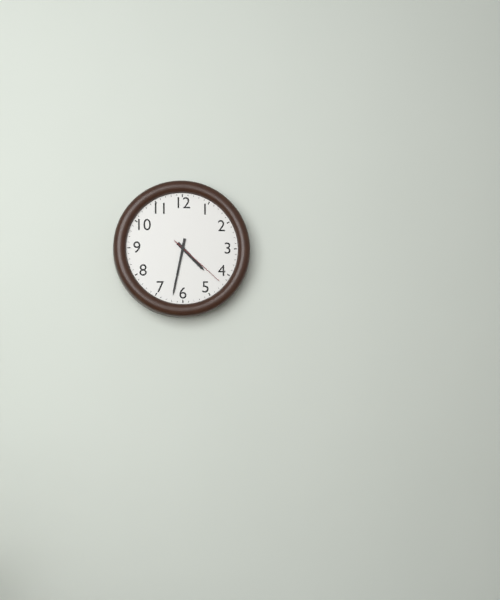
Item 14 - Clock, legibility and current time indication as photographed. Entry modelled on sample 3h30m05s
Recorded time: 4h32m22s
